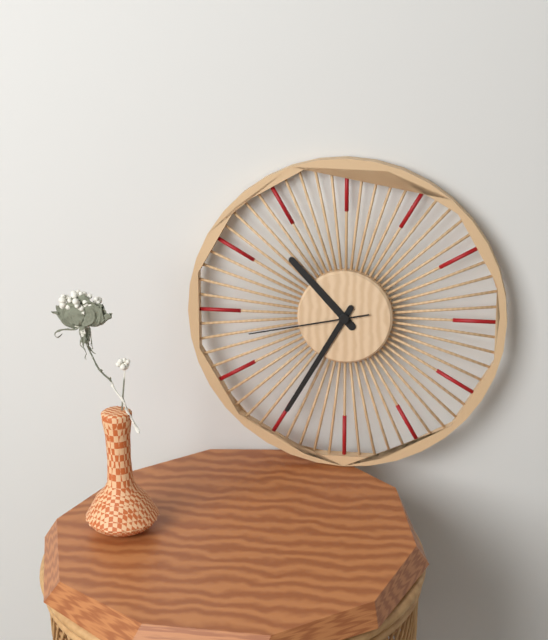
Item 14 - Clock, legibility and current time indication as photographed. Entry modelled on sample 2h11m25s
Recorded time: 10h35m43s
